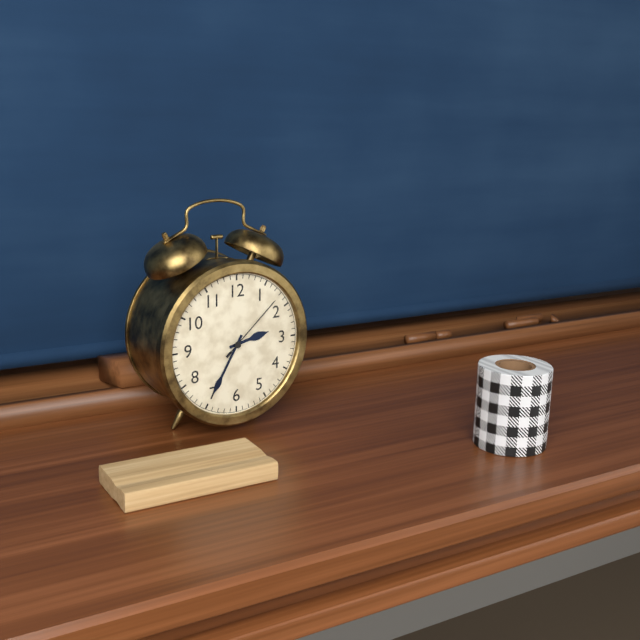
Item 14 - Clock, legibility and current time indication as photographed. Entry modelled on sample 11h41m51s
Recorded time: 2h35m08s
